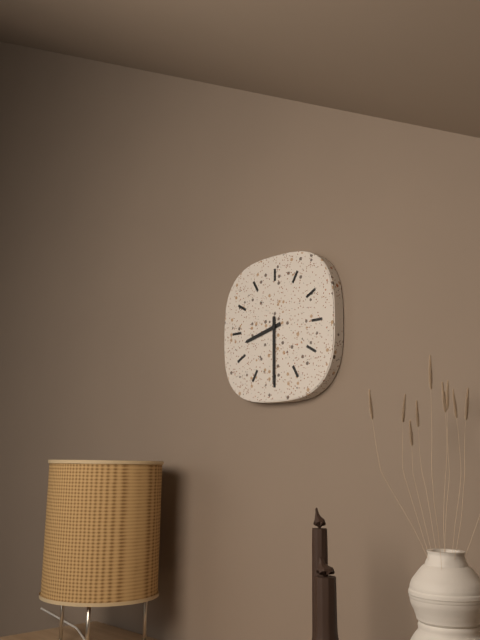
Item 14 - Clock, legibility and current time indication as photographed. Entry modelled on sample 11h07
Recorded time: 8h30
